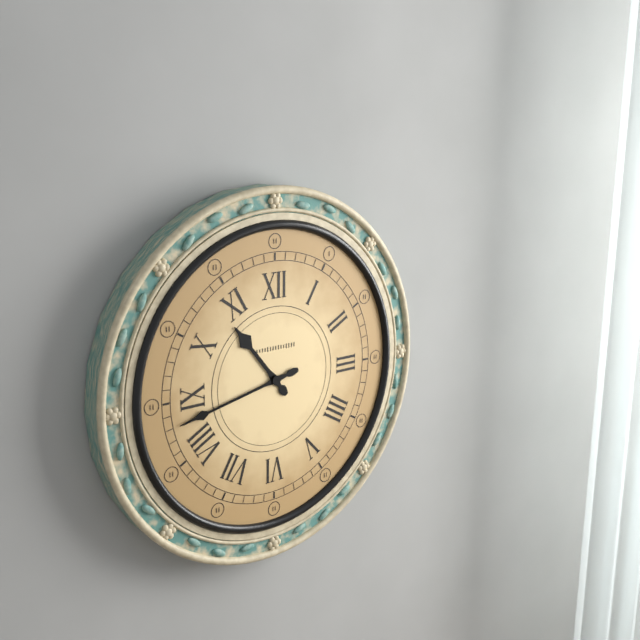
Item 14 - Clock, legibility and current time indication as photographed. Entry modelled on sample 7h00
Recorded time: 10h43
